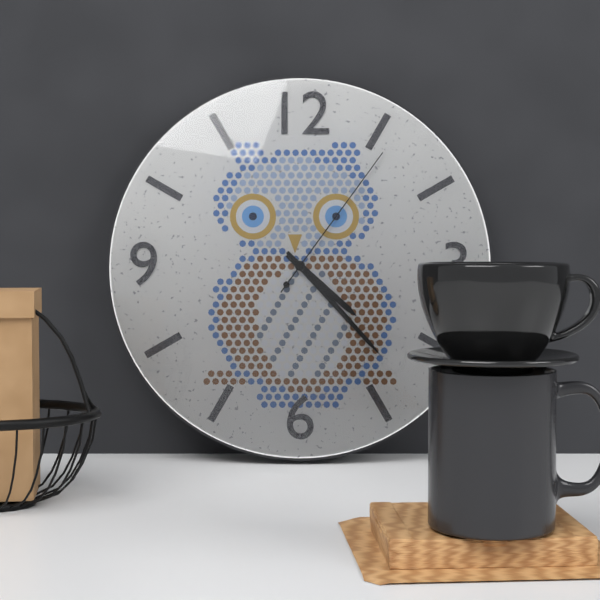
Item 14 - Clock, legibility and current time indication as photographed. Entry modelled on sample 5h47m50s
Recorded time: 4h23m06s
